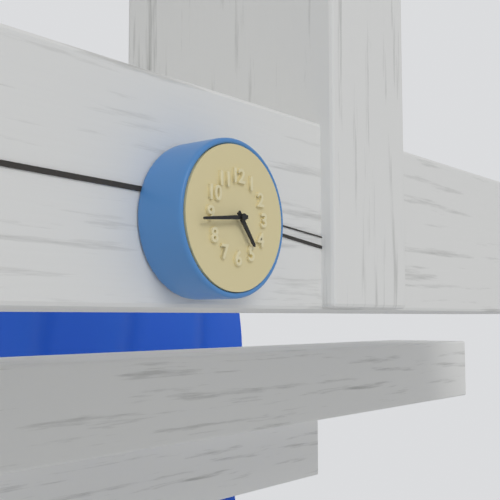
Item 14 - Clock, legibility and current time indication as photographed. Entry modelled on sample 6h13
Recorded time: 4h44
